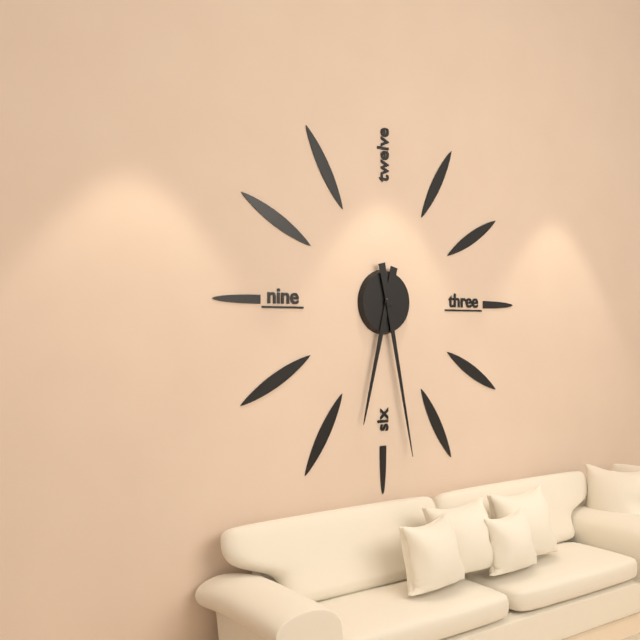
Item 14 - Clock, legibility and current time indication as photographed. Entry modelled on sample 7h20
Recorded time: 6h28
